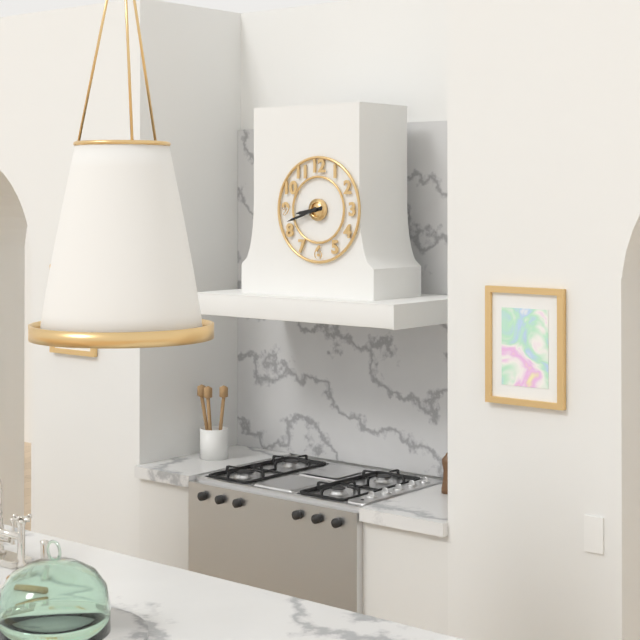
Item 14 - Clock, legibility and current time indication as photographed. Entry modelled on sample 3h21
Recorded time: 8h42
